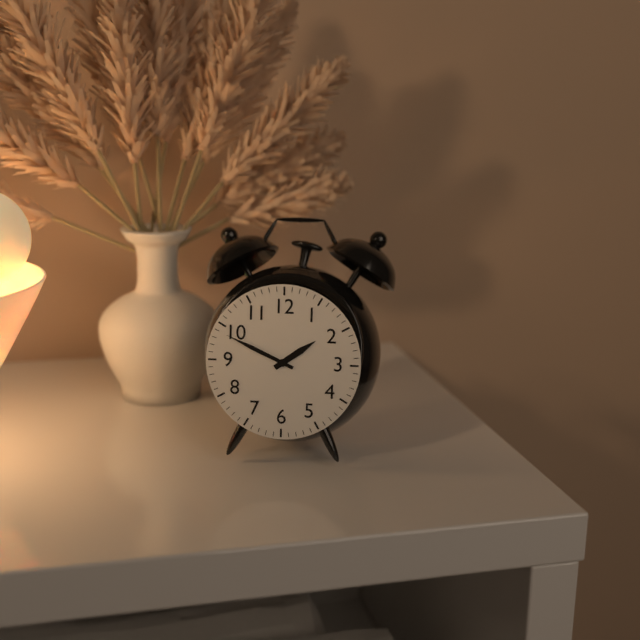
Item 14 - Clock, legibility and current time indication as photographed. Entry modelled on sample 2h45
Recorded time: 1h49
